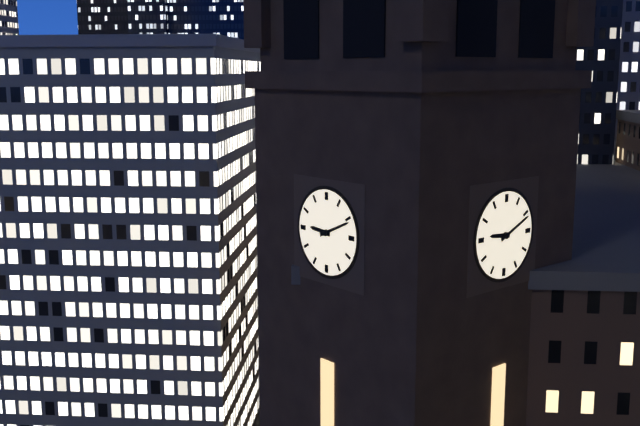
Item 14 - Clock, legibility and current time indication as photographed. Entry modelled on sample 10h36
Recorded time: 9h11
